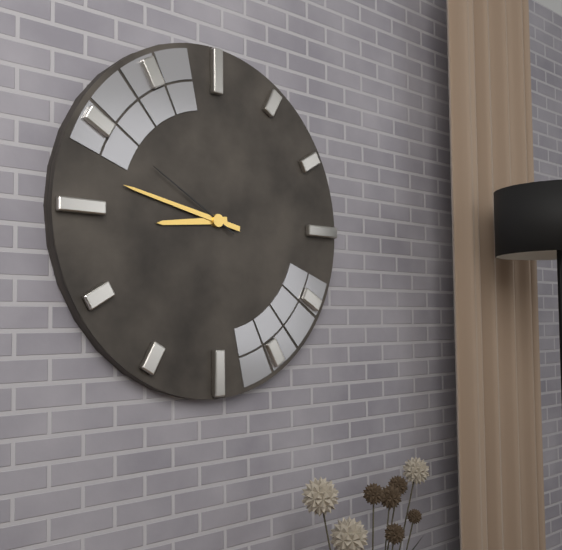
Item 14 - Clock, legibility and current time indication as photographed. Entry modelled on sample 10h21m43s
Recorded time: 8h47m50s
